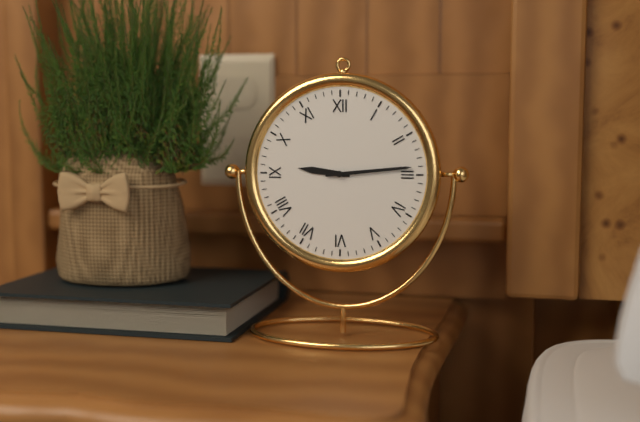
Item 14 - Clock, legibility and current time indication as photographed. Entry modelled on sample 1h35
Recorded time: 9h14
